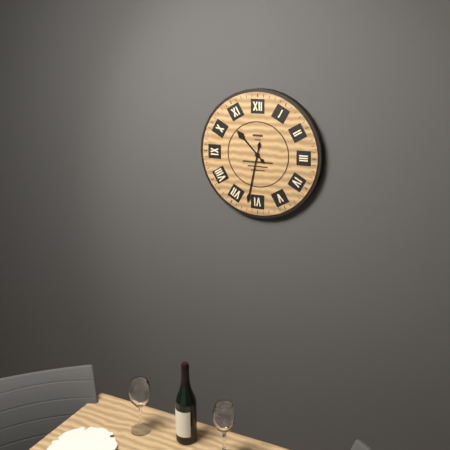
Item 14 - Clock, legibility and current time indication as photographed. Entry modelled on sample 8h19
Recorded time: 10h32
